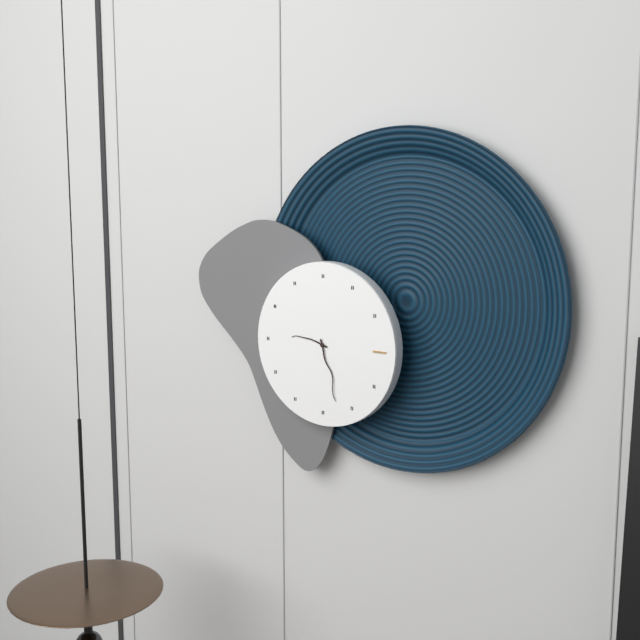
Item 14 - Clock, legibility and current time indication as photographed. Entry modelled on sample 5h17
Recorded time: 9h27
